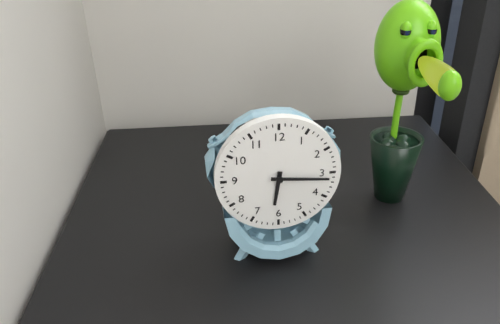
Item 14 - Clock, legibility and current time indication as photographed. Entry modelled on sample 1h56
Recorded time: 6h16
